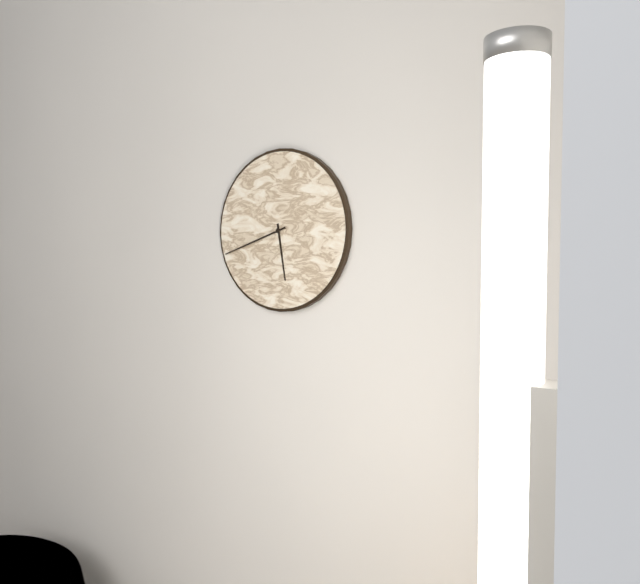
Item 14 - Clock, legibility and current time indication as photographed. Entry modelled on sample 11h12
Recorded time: 5h42
